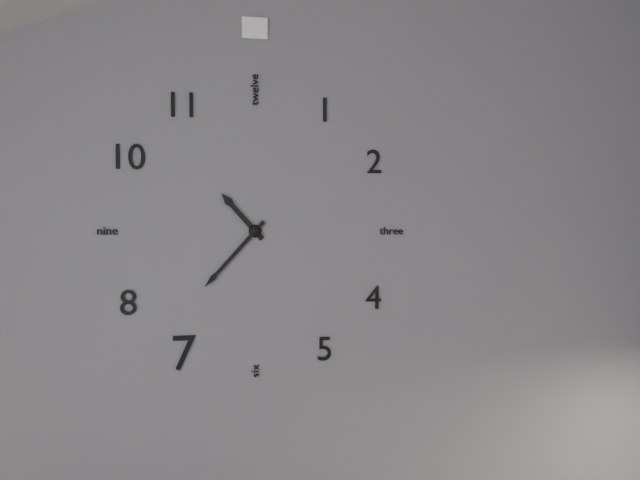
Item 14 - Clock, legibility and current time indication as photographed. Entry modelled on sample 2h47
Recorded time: 10h37
